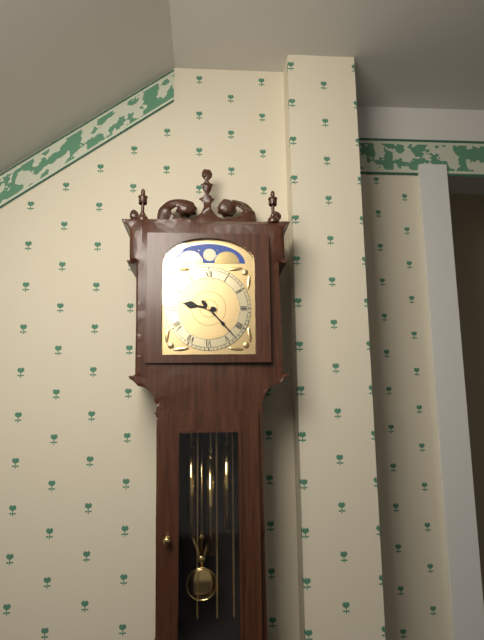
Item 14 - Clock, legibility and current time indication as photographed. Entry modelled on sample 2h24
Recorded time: 9h23
